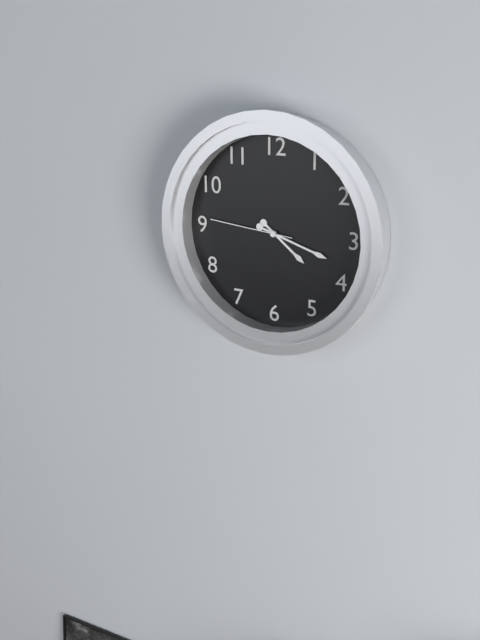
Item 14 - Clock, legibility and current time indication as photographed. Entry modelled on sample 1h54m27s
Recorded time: 4h18m46s
